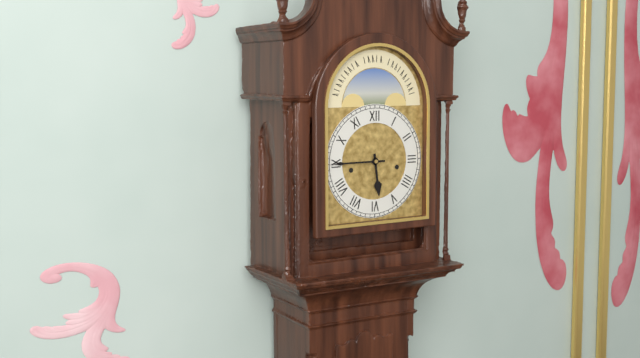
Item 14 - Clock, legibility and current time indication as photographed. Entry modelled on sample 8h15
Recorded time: 5h45
